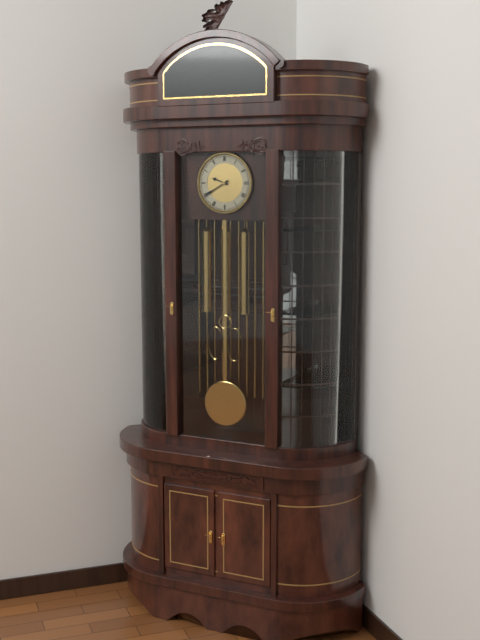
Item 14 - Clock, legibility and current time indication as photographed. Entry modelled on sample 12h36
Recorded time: 9h40
